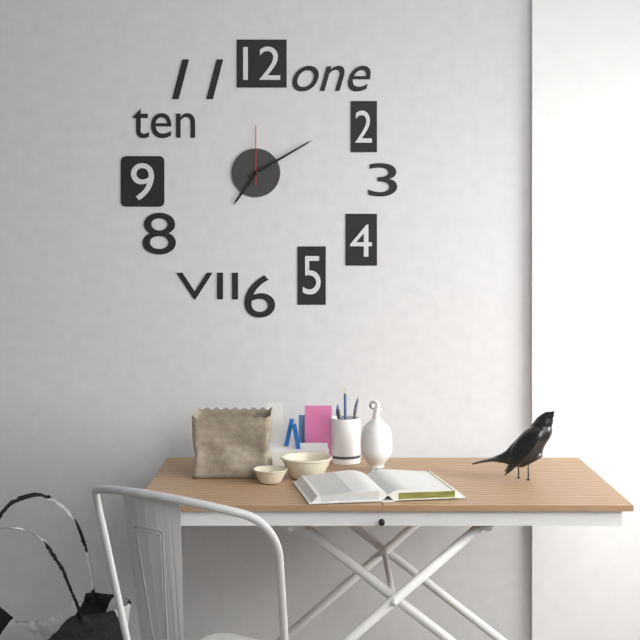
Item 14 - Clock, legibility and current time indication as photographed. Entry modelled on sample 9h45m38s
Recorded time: 7h10m00s
